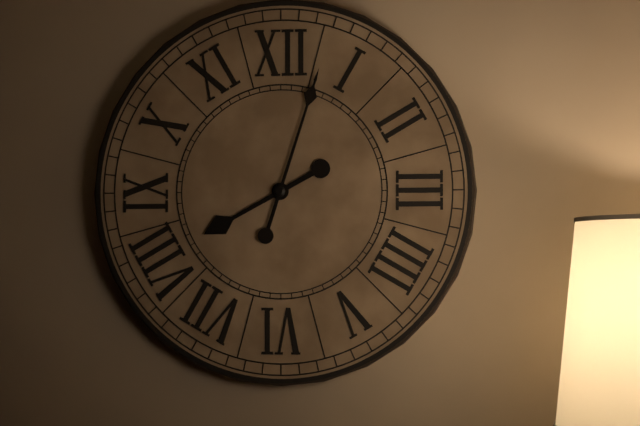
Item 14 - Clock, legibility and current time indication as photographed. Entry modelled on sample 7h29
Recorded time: 8h03
